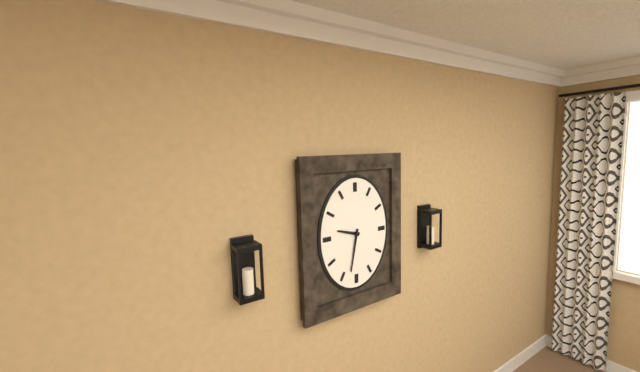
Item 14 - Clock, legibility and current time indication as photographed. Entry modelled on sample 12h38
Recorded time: 9h32
